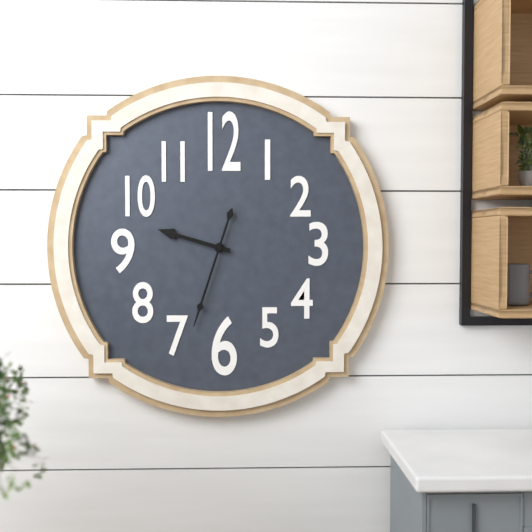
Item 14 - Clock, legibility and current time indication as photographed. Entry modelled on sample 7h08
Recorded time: 9h33
